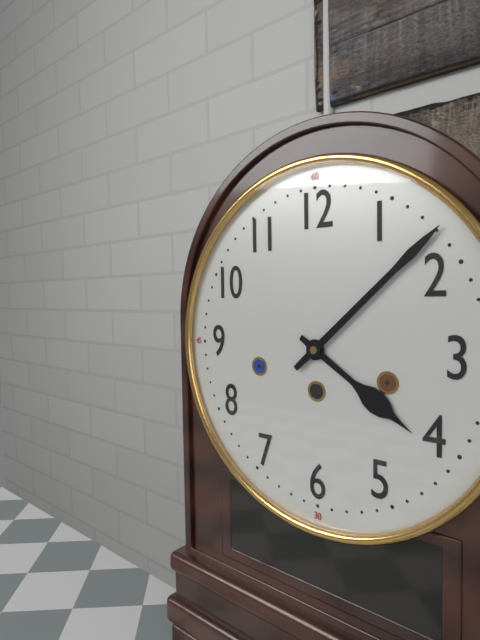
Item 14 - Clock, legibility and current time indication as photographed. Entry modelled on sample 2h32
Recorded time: 4h08
